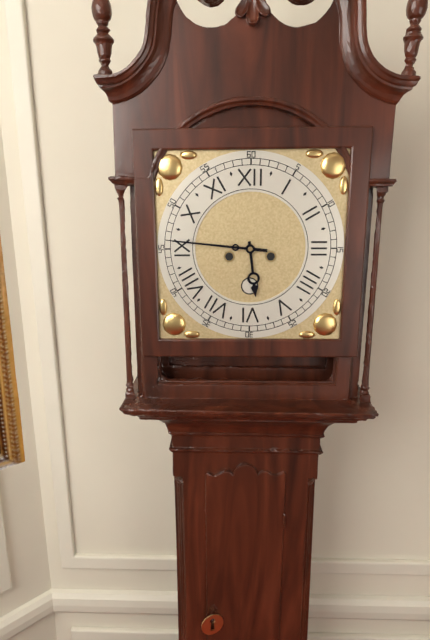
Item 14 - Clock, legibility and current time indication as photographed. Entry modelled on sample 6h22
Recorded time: 5h46
